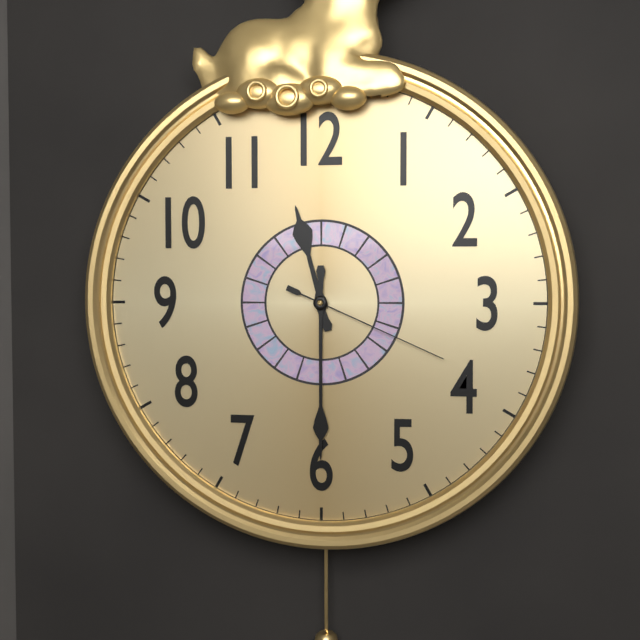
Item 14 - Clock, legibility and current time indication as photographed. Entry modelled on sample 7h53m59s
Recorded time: 11h30m19s
